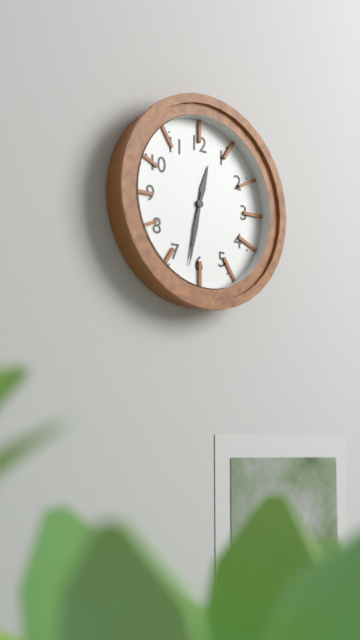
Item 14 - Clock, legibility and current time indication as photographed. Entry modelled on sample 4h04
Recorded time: 12h32
